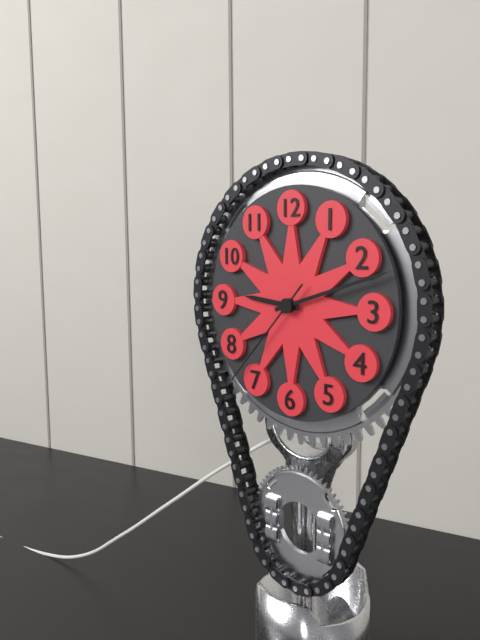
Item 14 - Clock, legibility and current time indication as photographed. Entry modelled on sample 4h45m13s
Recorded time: 9h12m37s
